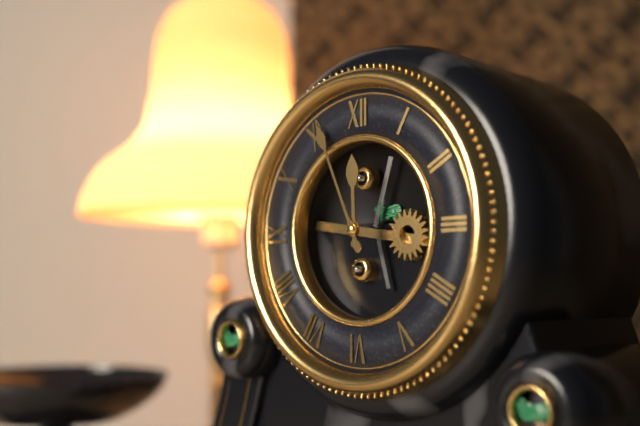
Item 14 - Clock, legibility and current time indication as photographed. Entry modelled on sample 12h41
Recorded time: 11h56
